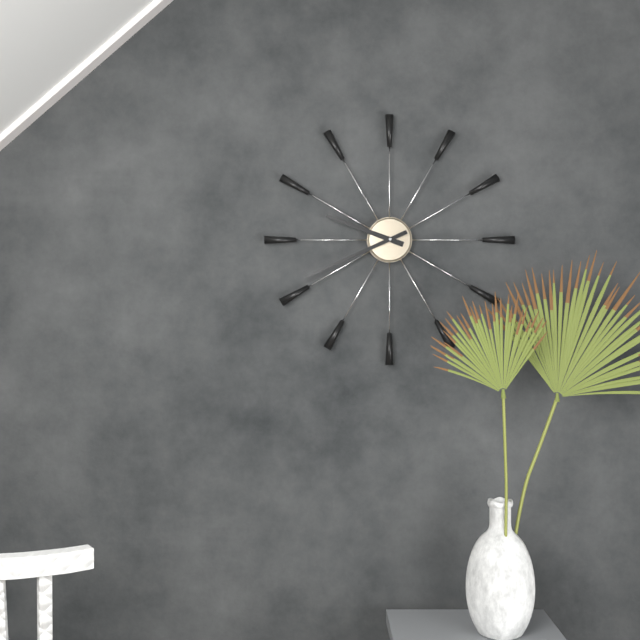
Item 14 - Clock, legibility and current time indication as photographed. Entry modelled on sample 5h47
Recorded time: 9h41
